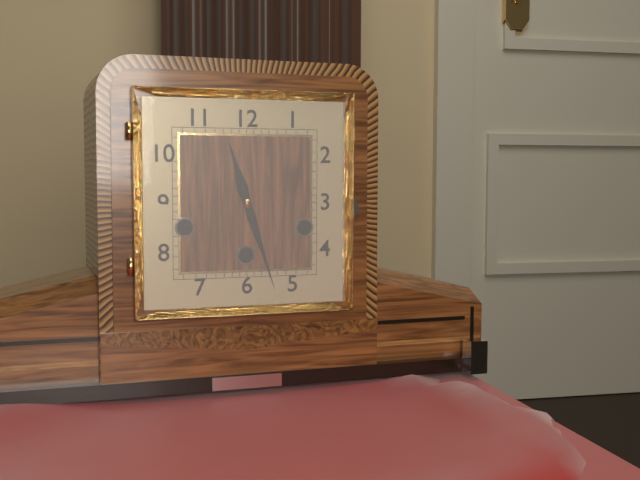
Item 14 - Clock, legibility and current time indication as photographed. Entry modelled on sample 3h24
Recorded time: 11h27
